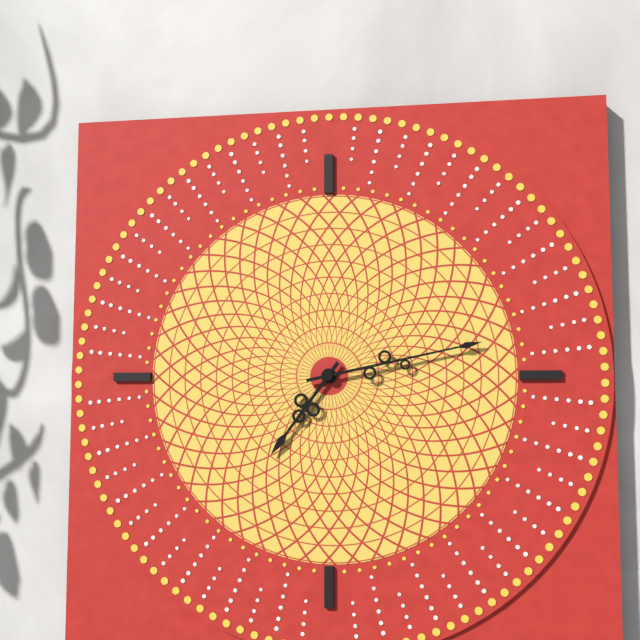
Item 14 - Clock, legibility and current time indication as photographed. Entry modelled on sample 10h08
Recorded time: 7h13
